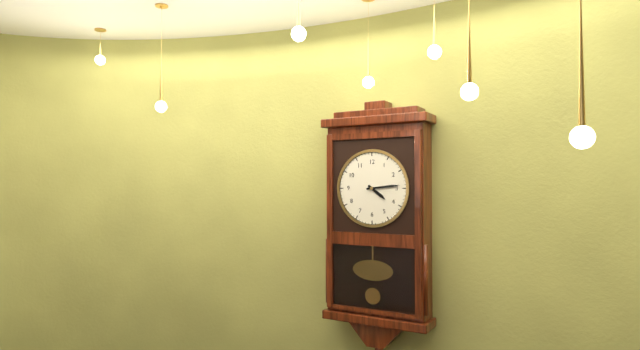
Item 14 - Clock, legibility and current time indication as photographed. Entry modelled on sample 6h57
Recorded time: 4h14
